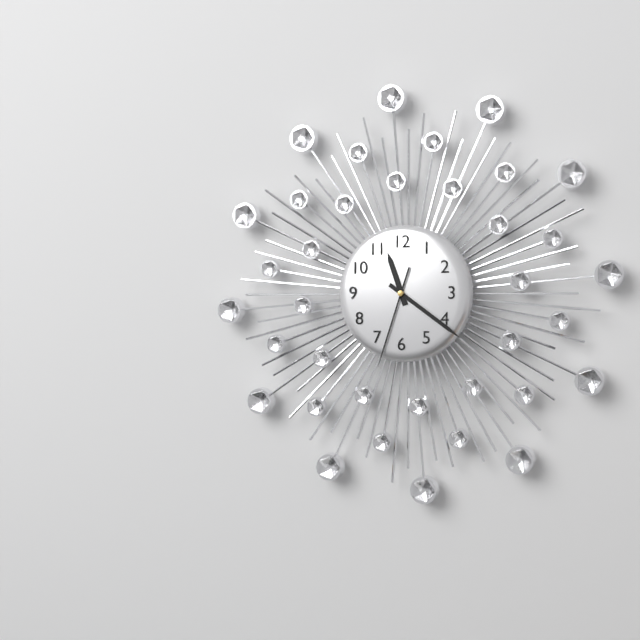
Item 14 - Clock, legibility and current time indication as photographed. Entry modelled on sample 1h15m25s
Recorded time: 11h21m33s
